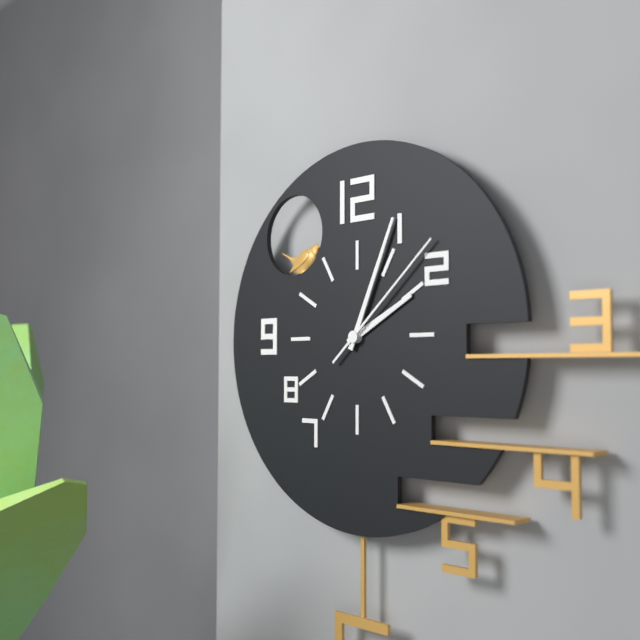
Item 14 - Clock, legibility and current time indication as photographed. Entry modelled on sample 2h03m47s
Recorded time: 2h04m08s
